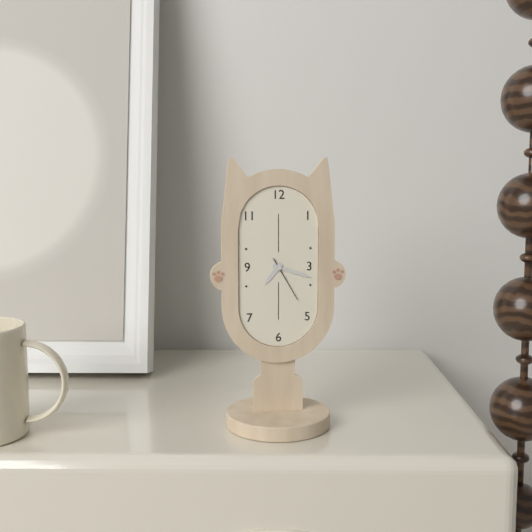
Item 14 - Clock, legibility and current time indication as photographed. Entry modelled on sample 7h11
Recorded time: 7h18
